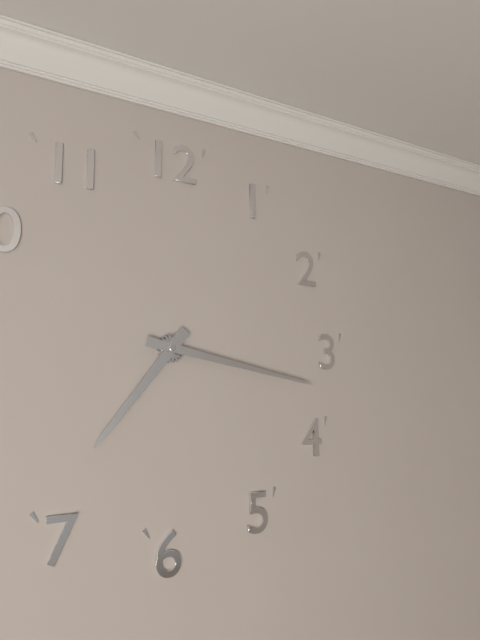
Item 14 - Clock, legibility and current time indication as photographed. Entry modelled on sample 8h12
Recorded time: 7h17
